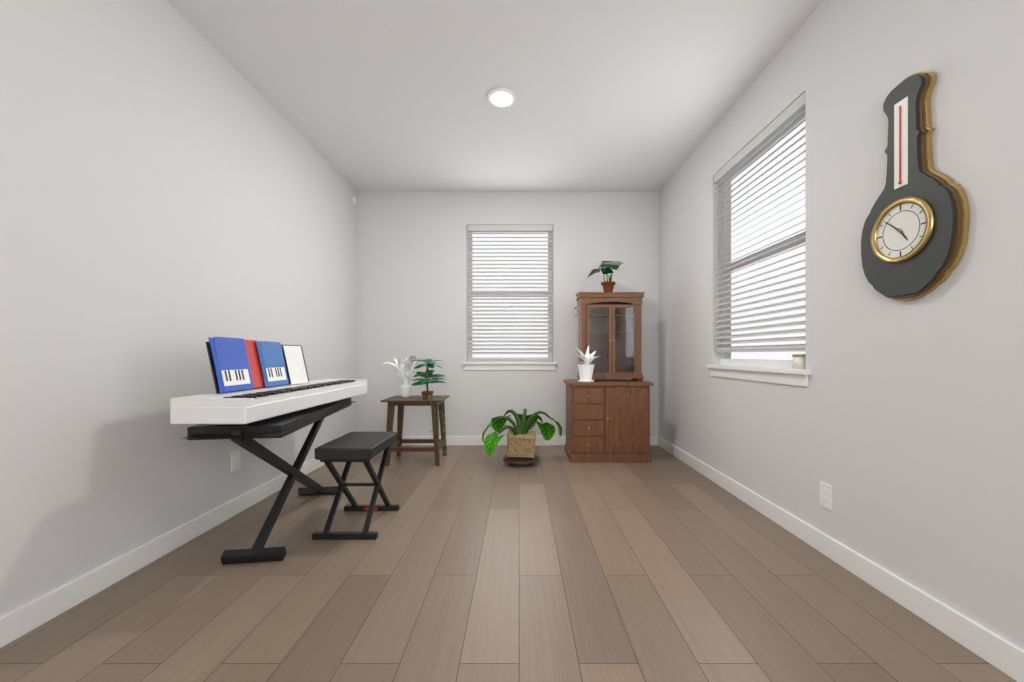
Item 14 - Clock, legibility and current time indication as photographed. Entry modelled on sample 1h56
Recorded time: 4h52
